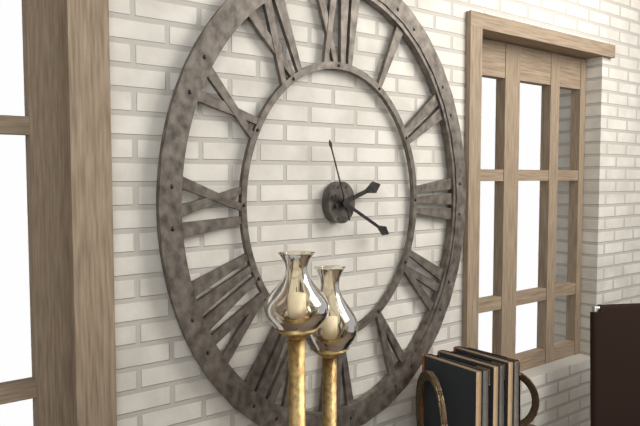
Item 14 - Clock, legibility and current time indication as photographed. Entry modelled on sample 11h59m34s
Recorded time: 2h20m57s
